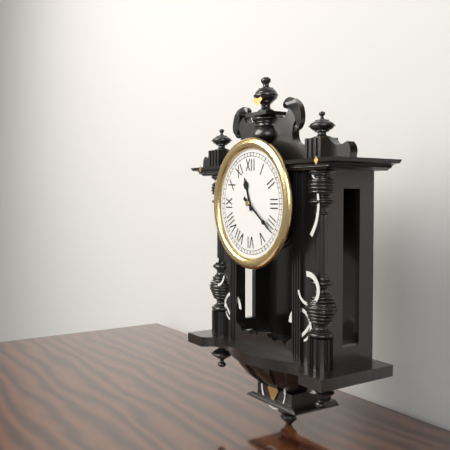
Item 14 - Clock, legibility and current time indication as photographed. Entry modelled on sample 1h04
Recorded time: 11h21
